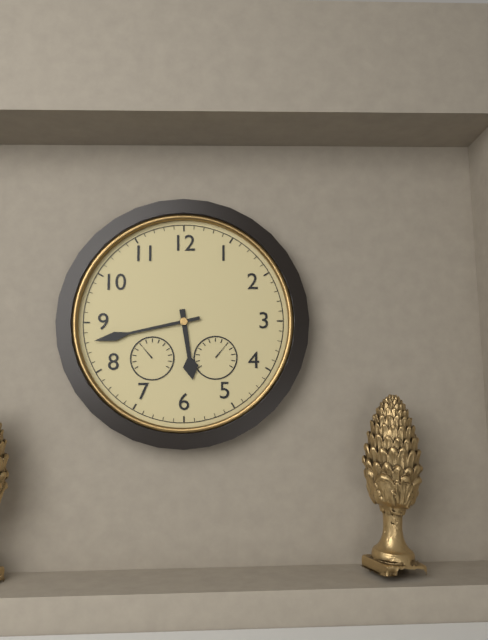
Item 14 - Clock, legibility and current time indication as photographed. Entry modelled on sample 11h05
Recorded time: 5h43
